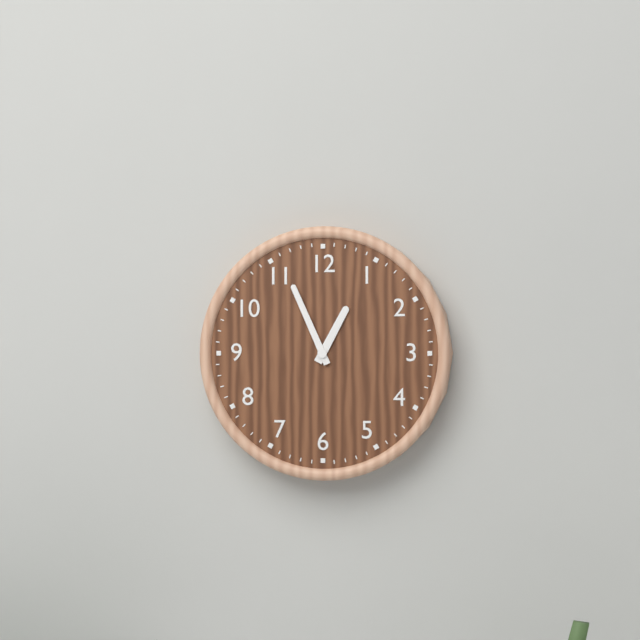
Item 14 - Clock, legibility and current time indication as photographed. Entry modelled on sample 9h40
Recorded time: 12h56
